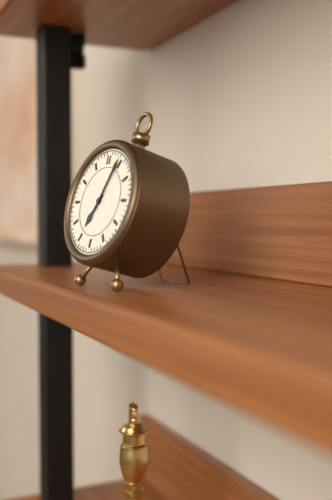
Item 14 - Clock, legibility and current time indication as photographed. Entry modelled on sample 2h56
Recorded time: 7h04
